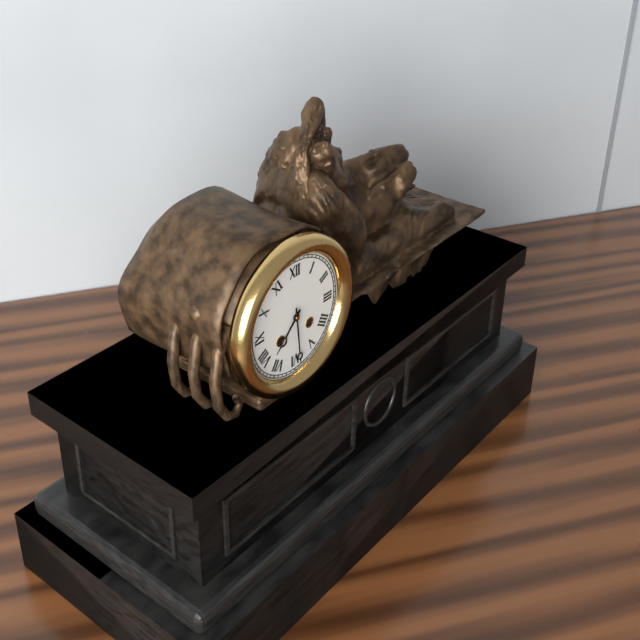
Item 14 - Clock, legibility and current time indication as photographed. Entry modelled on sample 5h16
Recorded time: 7h29
